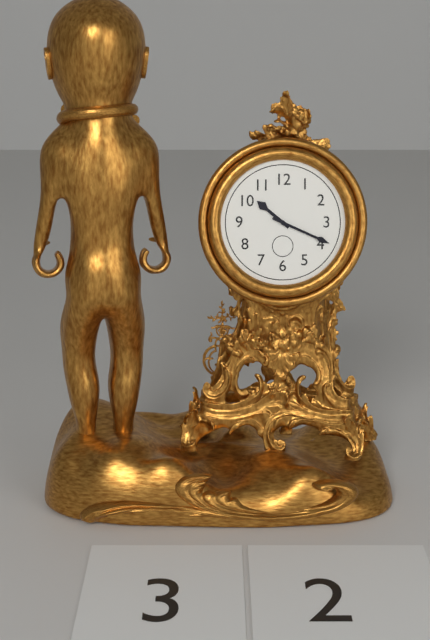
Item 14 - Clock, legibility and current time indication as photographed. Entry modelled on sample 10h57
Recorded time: 10h19
